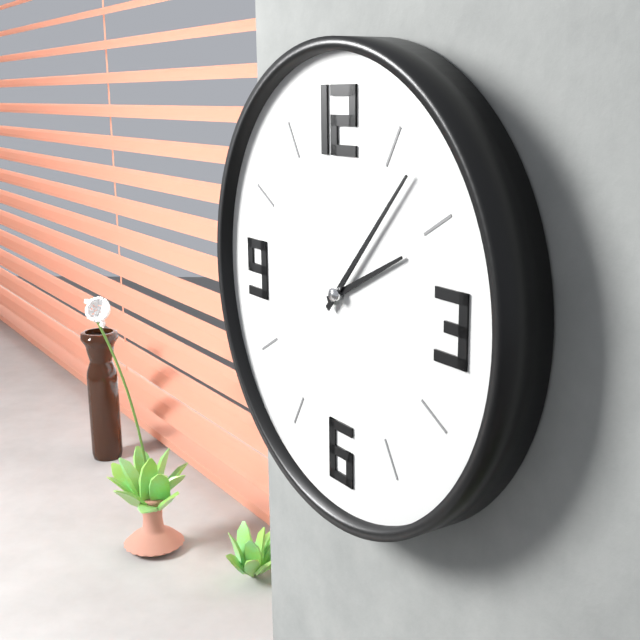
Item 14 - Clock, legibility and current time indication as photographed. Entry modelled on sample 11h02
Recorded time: 2h07
